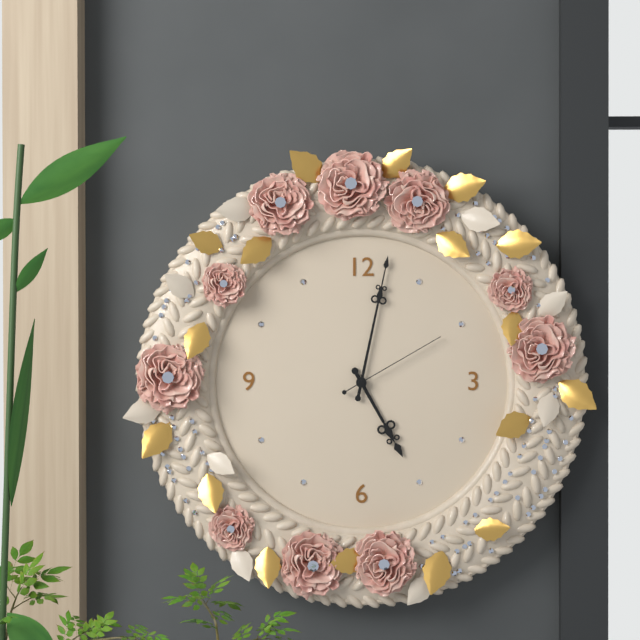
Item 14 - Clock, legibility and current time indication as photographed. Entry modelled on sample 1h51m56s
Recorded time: 5h02m10s
